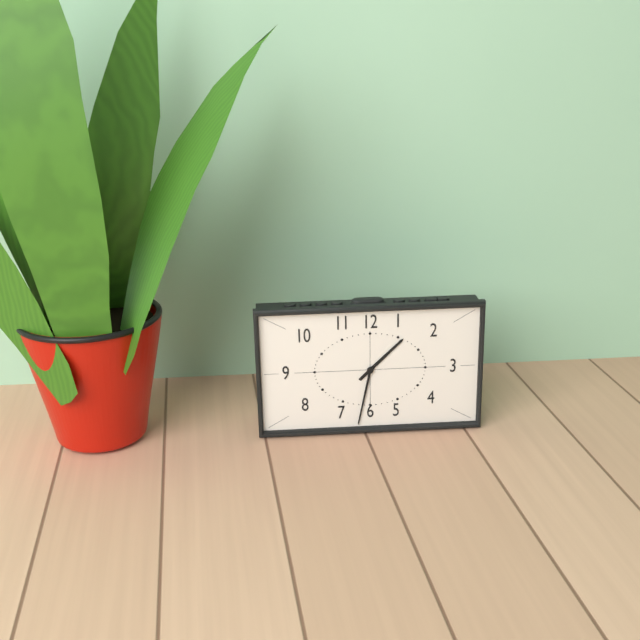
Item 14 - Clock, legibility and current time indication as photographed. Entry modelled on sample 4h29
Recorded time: 1h32
